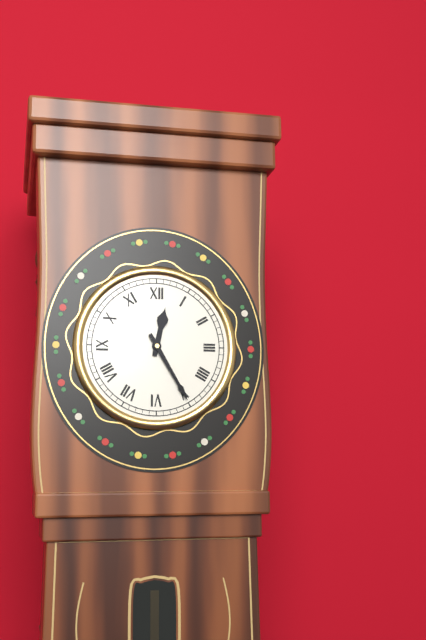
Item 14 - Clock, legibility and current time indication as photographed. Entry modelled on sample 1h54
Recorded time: 12h25
